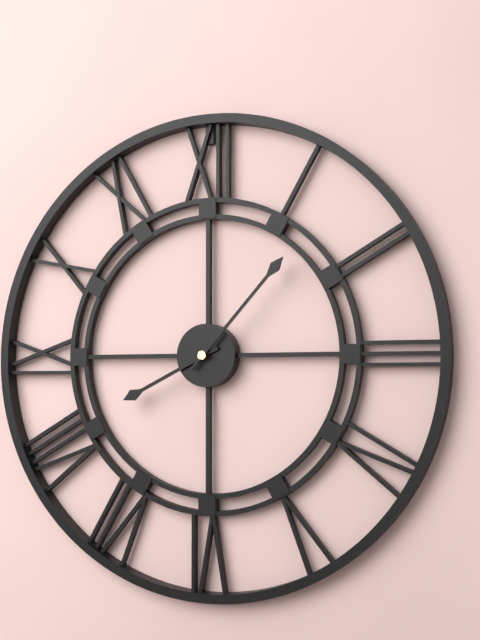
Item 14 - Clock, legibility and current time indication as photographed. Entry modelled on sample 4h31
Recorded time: 8h07
